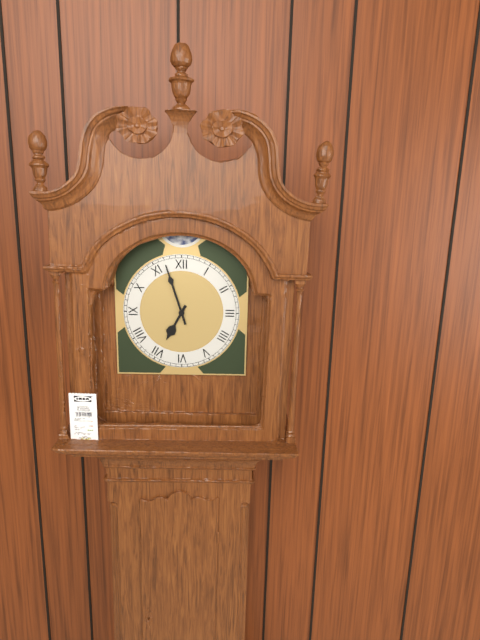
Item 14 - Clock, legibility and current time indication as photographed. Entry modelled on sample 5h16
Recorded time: 6h57
